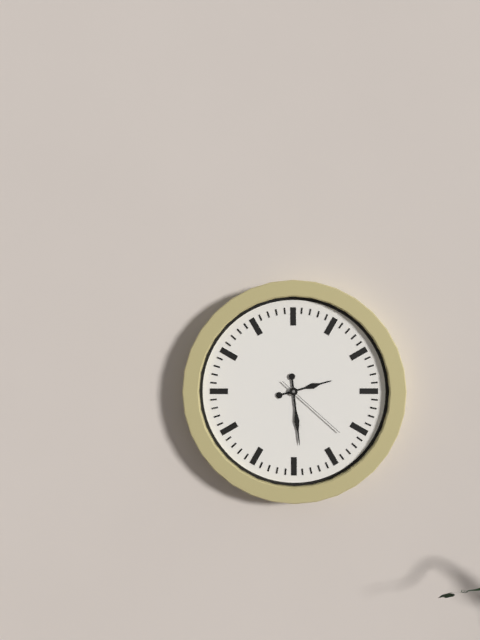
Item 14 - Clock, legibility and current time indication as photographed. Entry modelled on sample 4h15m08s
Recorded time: 2h29m22s
